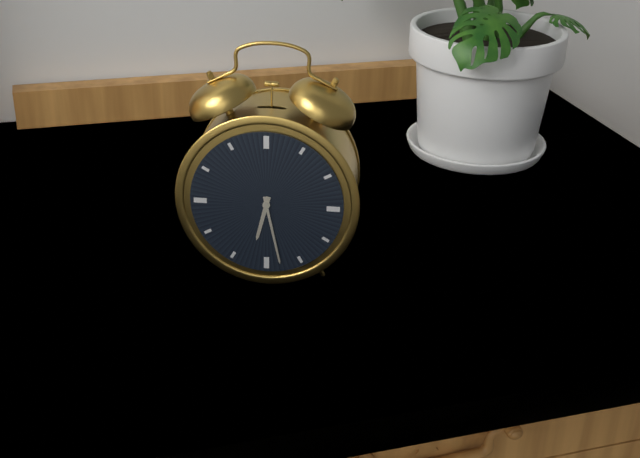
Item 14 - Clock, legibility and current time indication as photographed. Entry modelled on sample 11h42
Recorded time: 6h28
